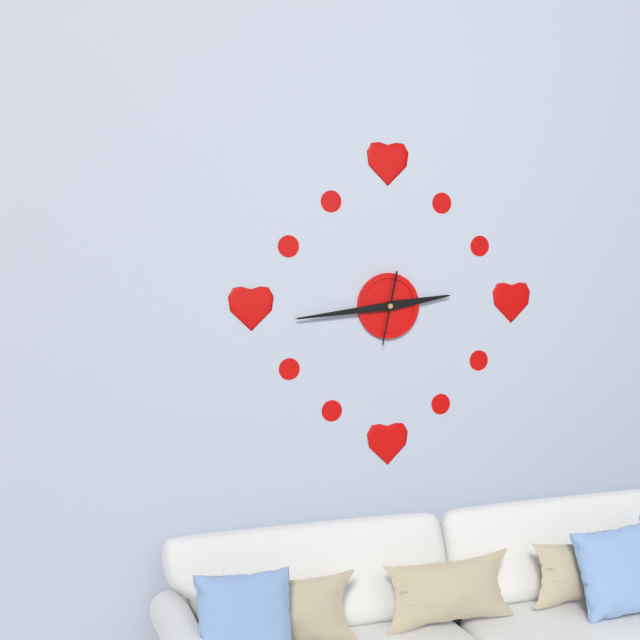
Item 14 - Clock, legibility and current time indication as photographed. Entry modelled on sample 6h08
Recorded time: 2h44
